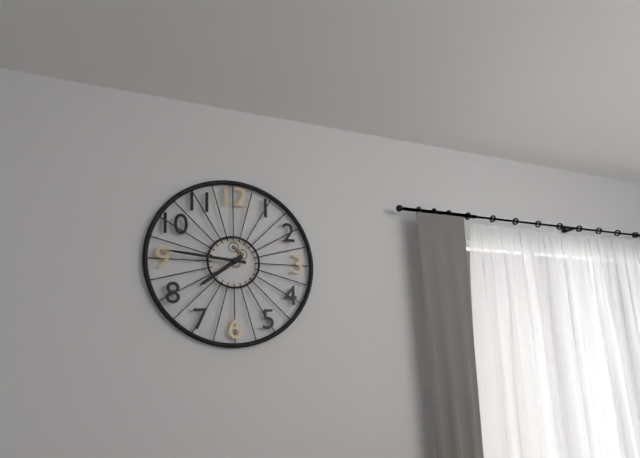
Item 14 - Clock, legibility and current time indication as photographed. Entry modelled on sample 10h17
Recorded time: 7h46
